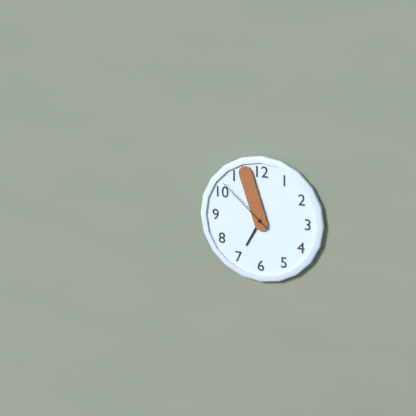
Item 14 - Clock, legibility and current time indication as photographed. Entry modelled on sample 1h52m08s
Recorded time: 6h57m52s
